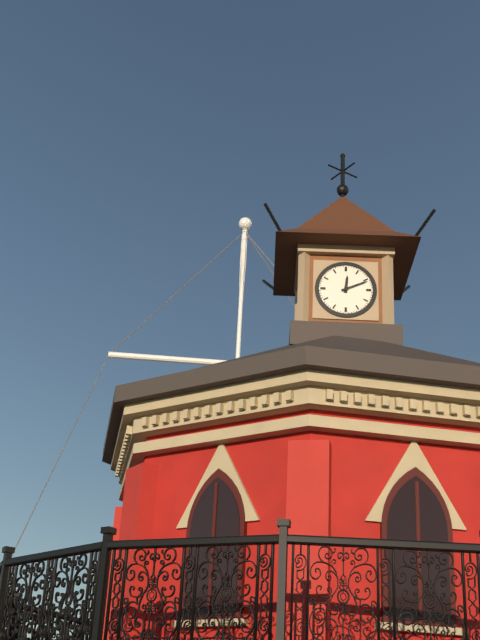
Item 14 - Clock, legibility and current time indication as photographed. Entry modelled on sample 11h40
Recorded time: 12h11
